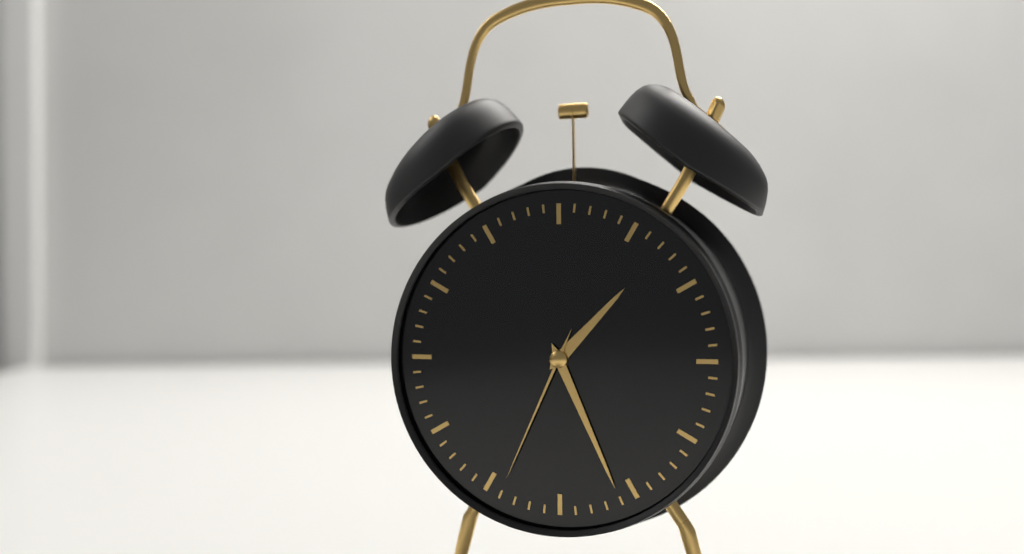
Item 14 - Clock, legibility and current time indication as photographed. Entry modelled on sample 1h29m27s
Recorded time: 1h26m34s
